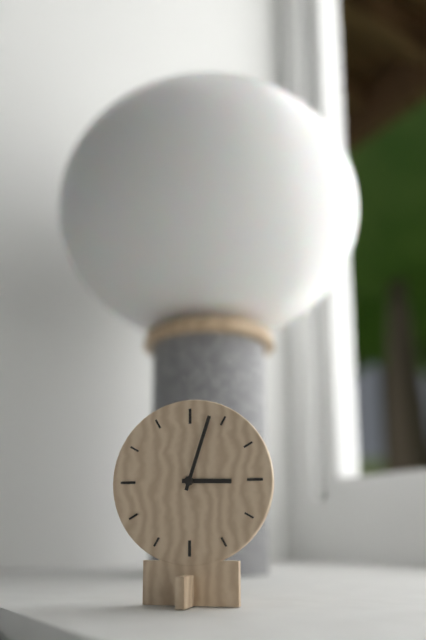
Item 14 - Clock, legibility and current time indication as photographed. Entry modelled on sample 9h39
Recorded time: 3h03
